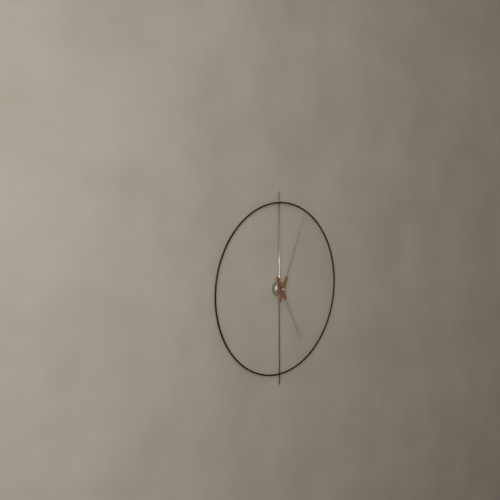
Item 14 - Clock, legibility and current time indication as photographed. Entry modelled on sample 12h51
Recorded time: 5h04
